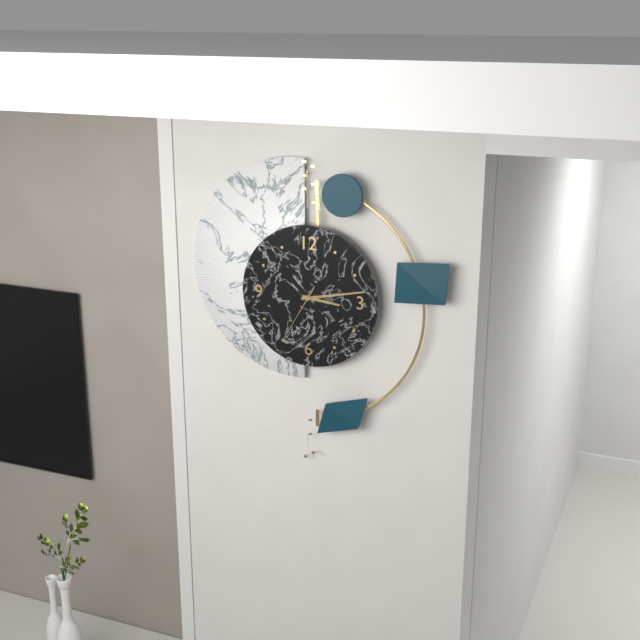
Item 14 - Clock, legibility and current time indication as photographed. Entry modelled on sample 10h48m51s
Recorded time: 3h13m35s
